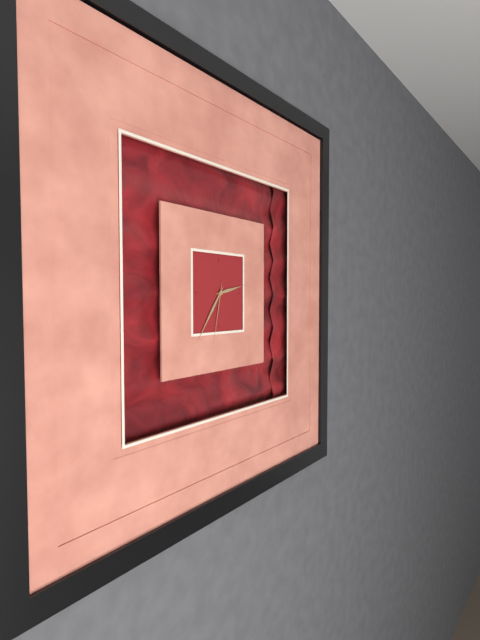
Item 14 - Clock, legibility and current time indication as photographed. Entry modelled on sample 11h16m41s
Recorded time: 2h36m32s
